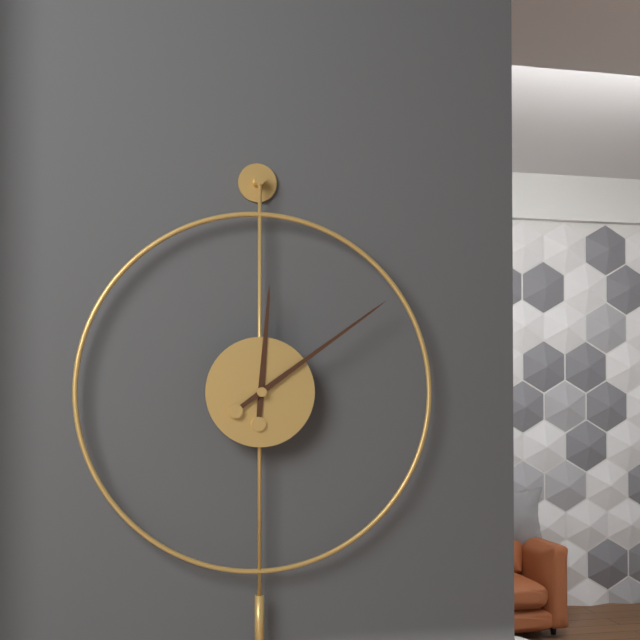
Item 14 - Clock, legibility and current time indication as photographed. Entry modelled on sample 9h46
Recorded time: 12h09
